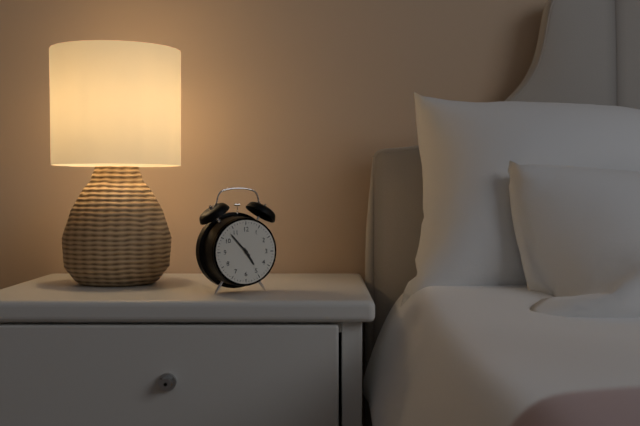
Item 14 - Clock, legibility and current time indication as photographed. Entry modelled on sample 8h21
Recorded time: 4h53
